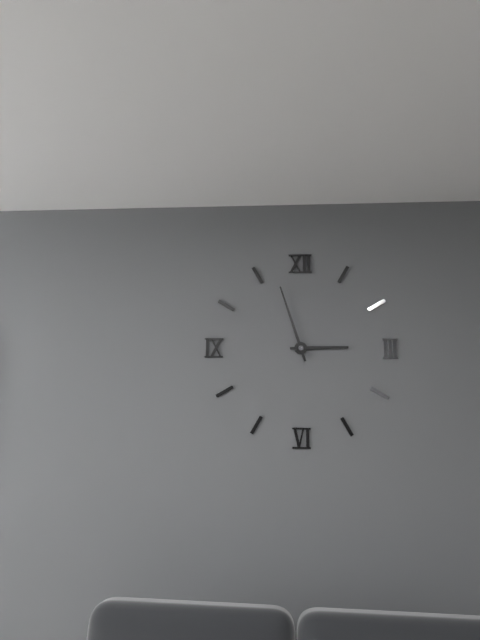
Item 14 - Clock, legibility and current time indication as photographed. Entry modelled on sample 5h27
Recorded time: 2h57
